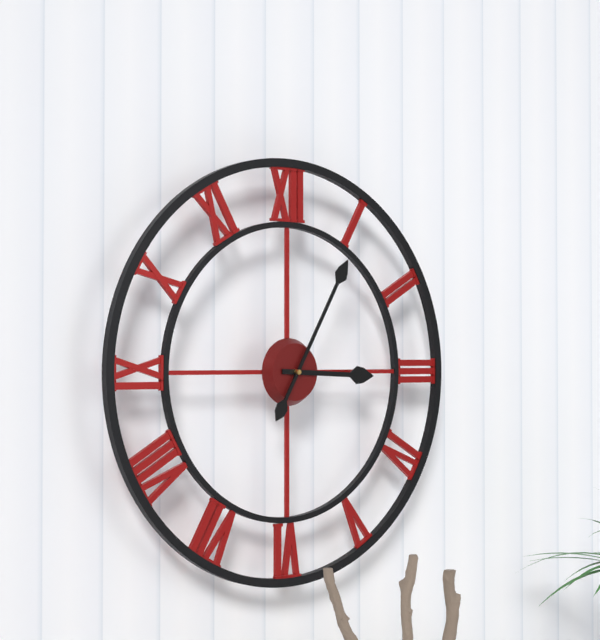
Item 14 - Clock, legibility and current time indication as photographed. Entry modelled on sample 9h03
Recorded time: 3h05
